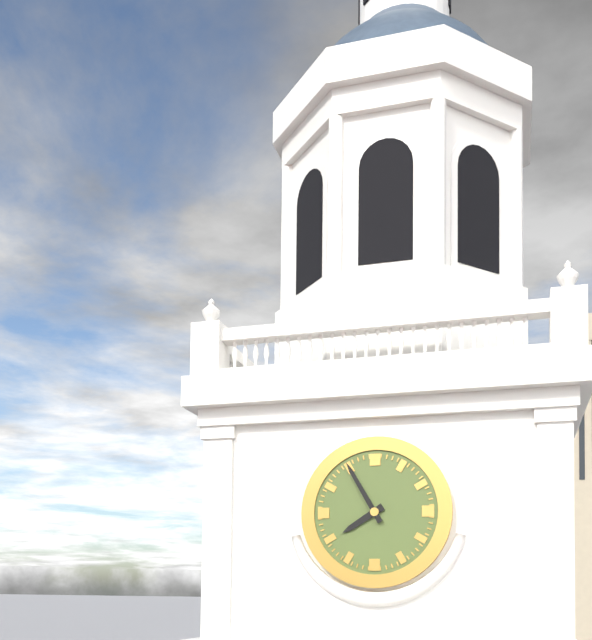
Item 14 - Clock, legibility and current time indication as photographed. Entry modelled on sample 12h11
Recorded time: 7h55
